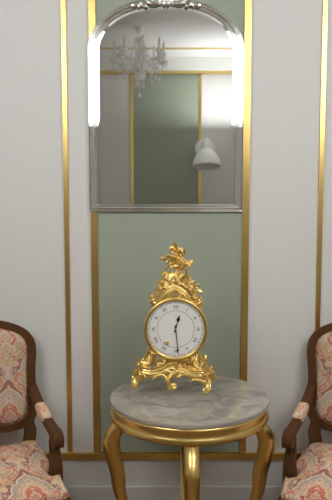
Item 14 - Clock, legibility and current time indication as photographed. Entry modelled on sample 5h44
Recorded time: 12h29
